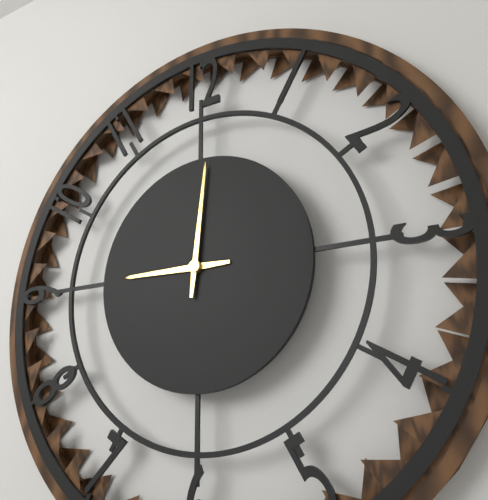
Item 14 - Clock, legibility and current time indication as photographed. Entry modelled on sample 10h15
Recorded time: 9h01
